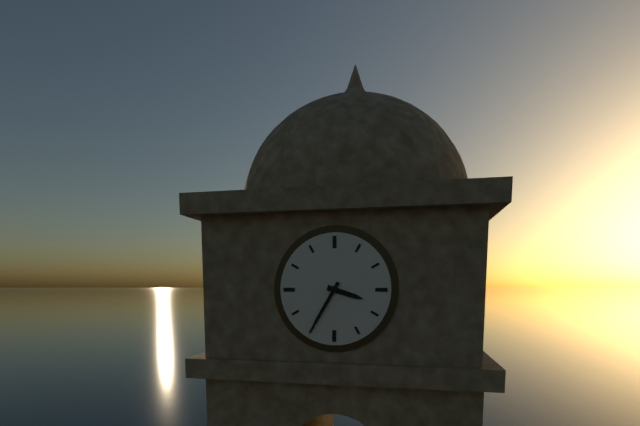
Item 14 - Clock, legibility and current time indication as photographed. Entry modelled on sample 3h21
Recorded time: 3h35
